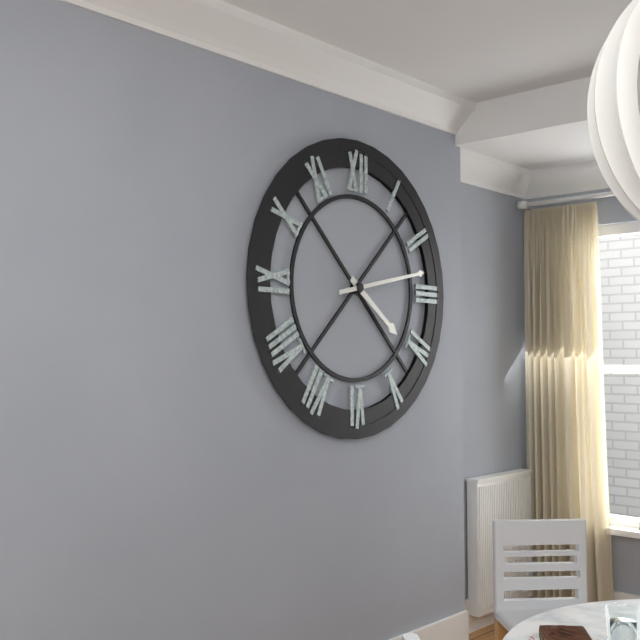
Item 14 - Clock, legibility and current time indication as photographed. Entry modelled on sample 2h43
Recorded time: 4h13
